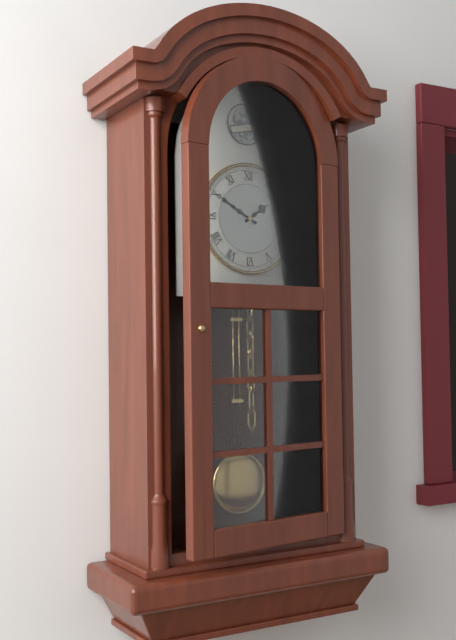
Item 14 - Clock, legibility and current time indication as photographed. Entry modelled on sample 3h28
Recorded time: 1h50
